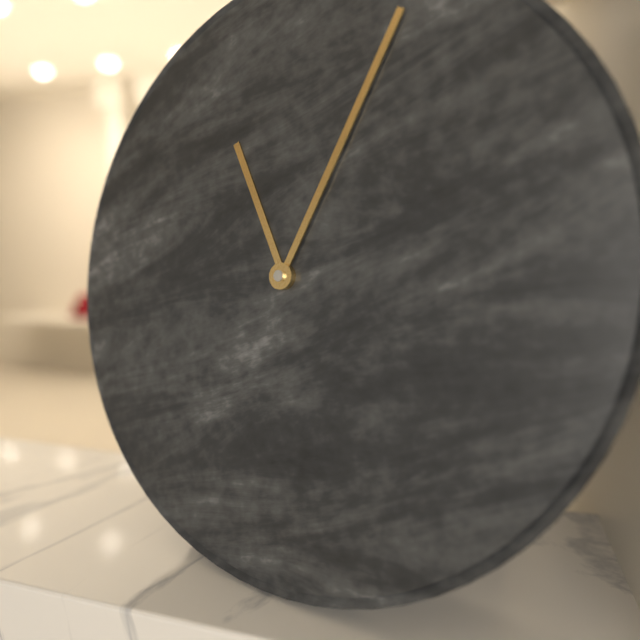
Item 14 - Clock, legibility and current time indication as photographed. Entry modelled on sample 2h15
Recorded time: 11h04
